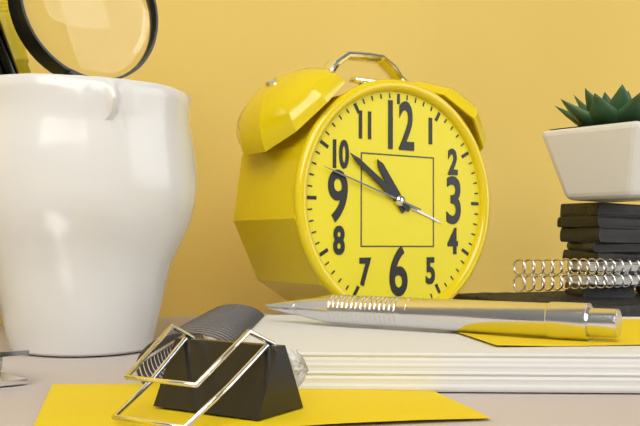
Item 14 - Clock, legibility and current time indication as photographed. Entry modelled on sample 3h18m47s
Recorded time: 10h51m48s
